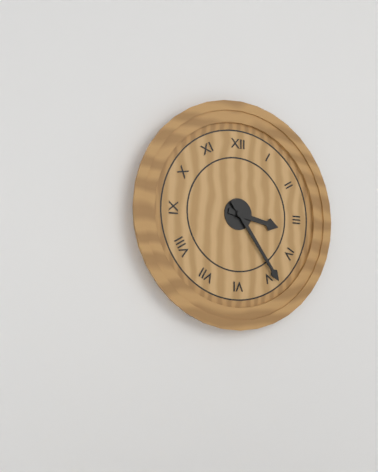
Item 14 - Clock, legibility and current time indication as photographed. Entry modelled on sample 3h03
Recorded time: 3h24
